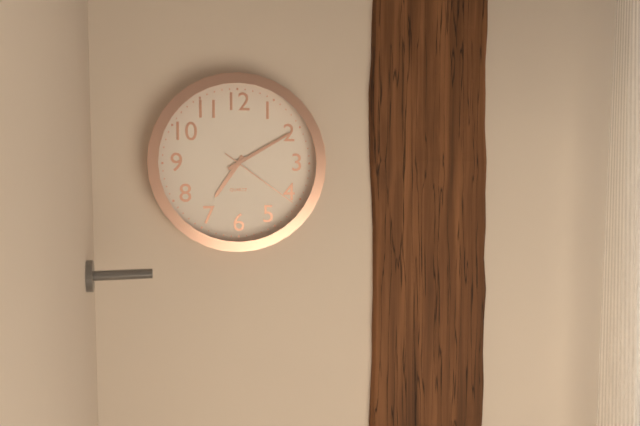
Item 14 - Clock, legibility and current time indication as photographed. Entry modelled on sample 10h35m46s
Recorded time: 7h10m21s
